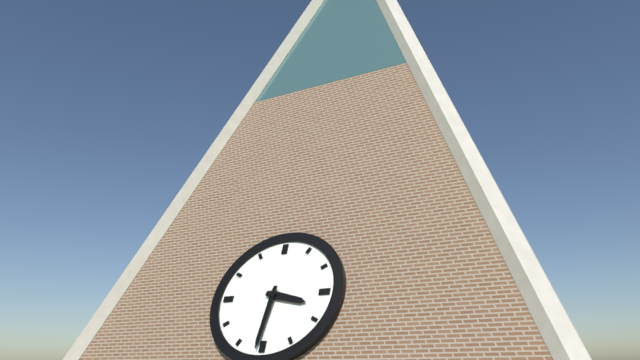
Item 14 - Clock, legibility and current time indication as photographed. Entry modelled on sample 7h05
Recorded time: 3h31
